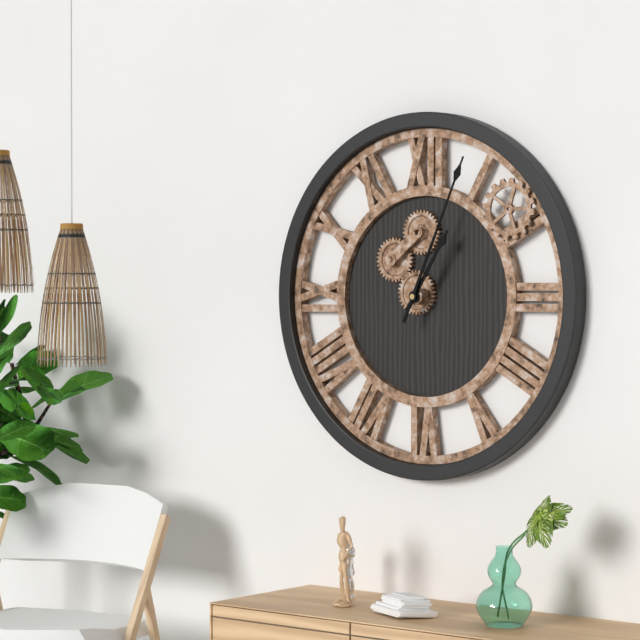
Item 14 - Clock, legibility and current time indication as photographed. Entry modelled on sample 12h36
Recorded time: 1h04
